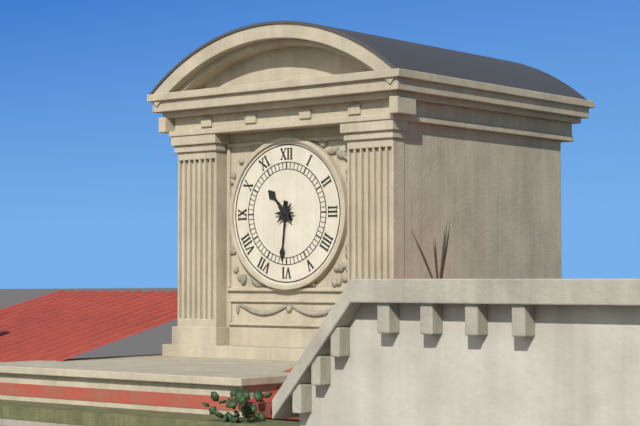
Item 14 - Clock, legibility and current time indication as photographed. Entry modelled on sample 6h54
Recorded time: 10h31
